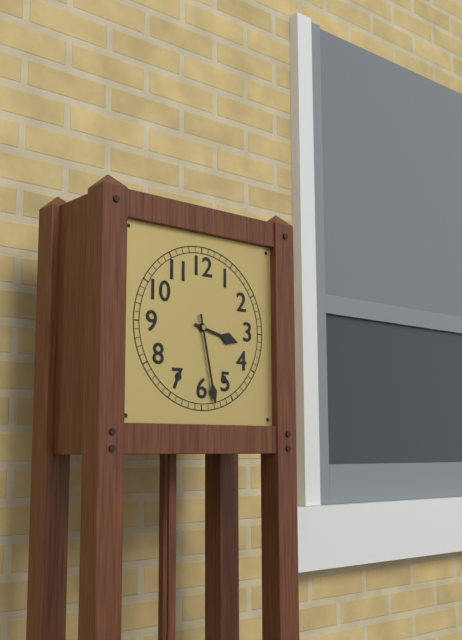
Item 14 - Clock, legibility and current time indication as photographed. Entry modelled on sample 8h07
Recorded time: 3h28
